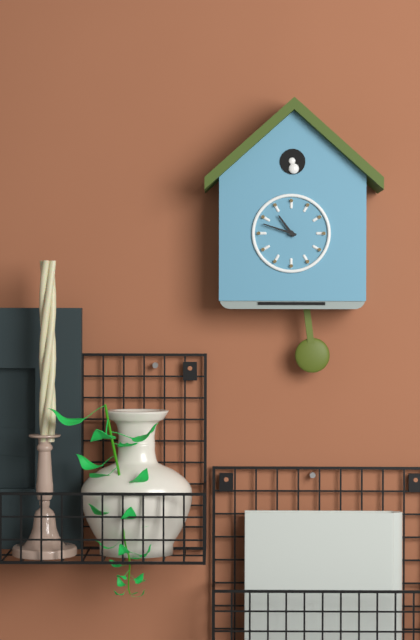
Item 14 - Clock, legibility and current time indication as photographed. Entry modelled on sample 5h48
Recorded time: 10h48
